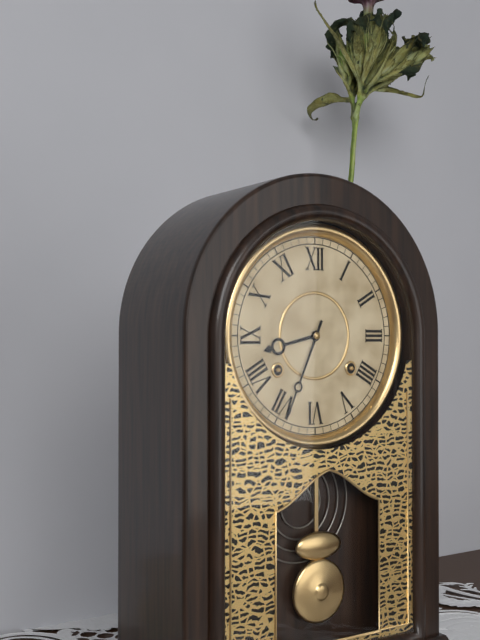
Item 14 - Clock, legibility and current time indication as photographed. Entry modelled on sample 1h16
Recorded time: 8h34
